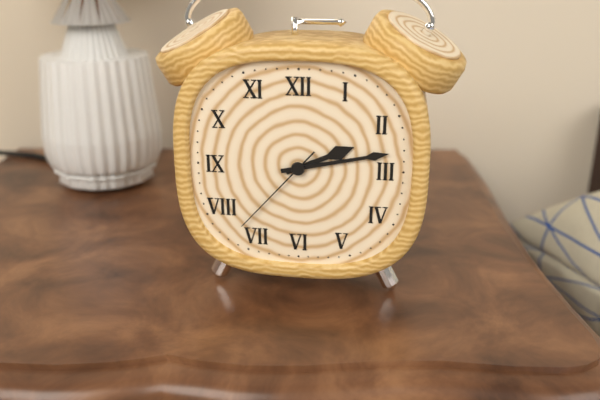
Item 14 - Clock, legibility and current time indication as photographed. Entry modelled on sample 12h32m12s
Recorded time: 2h13m37s
